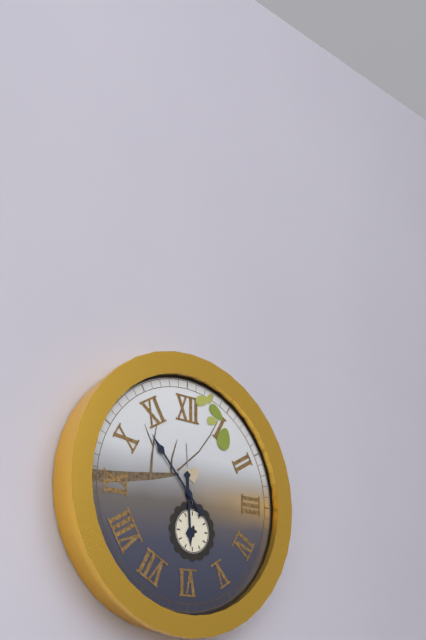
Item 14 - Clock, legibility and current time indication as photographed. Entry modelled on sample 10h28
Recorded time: 5h53
